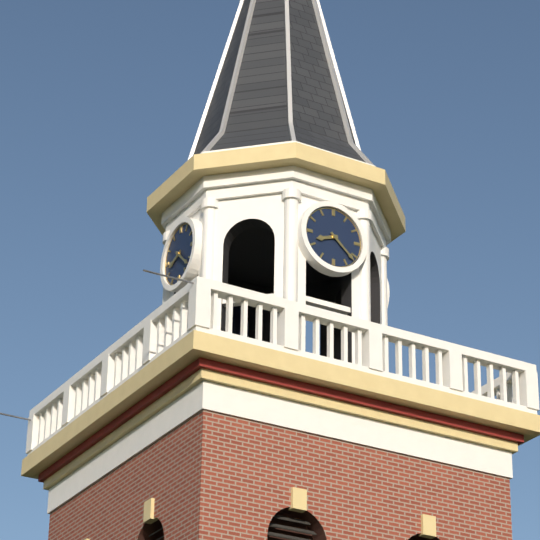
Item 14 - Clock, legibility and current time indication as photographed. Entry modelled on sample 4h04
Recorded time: 8h22
